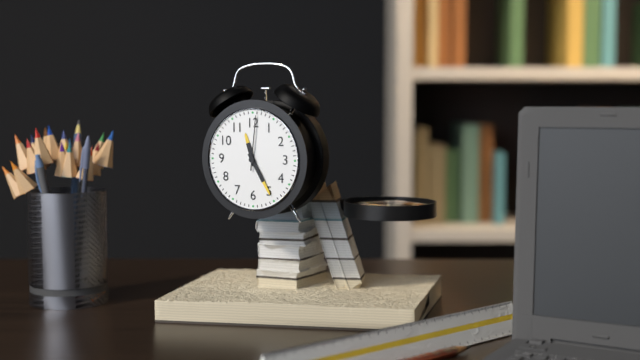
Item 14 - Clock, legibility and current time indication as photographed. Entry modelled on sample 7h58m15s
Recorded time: 11h25m01s
